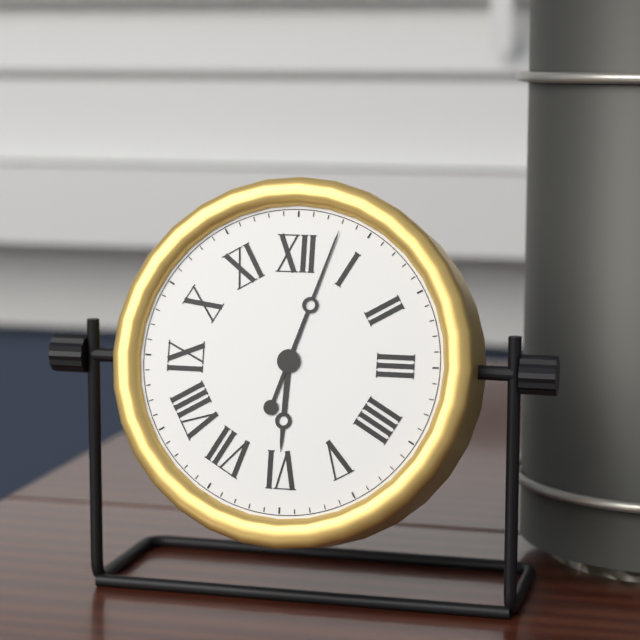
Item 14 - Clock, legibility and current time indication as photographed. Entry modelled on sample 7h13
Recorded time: 6h03
